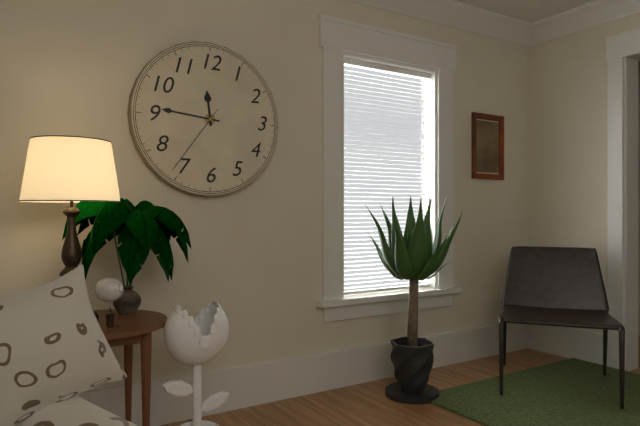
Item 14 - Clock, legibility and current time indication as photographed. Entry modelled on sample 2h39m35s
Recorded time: 11h46m36s
